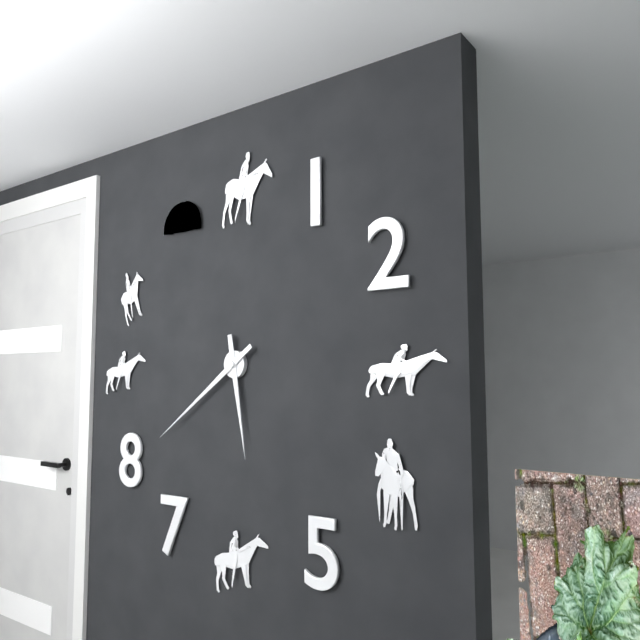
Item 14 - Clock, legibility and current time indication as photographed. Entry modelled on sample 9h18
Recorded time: 5h39
